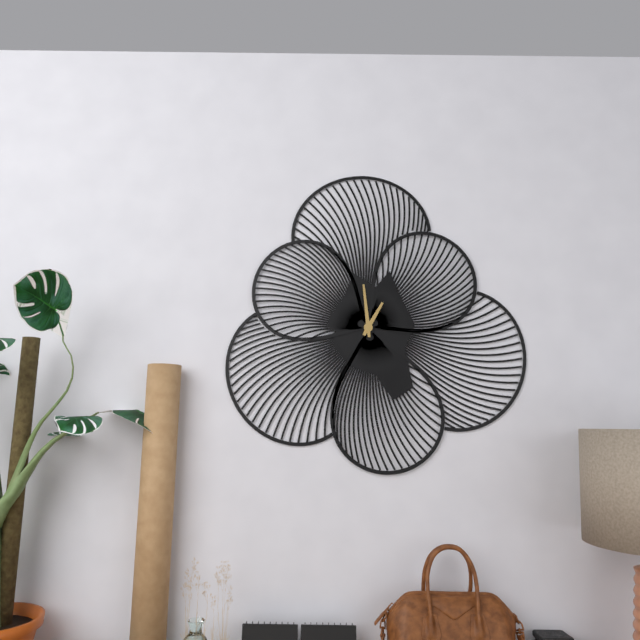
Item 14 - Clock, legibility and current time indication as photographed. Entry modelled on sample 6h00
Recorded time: 12h59
